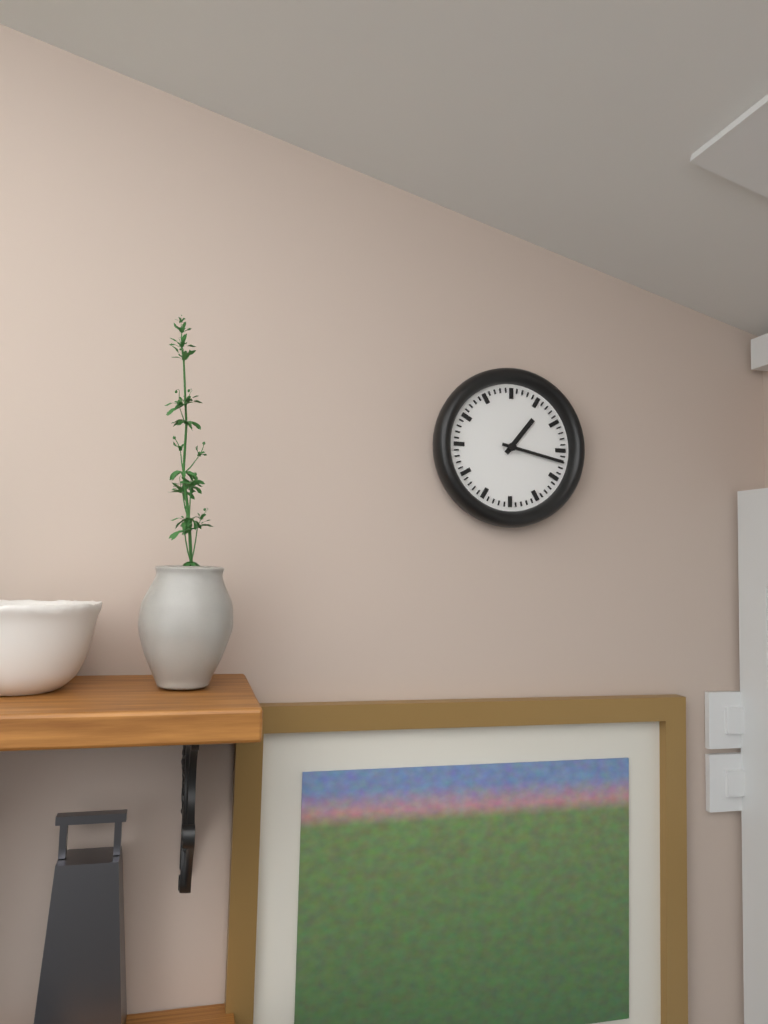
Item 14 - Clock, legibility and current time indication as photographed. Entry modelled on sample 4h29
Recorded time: 1h17
